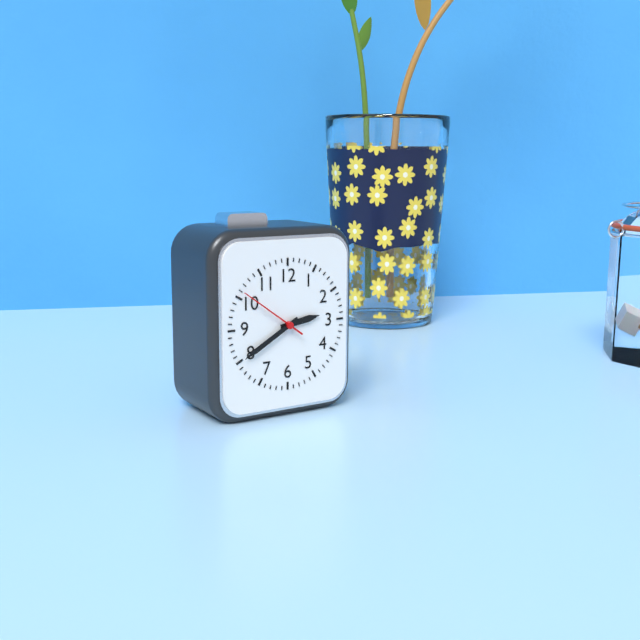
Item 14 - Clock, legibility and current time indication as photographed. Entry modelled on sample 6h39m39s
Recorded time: 2h40m51s
